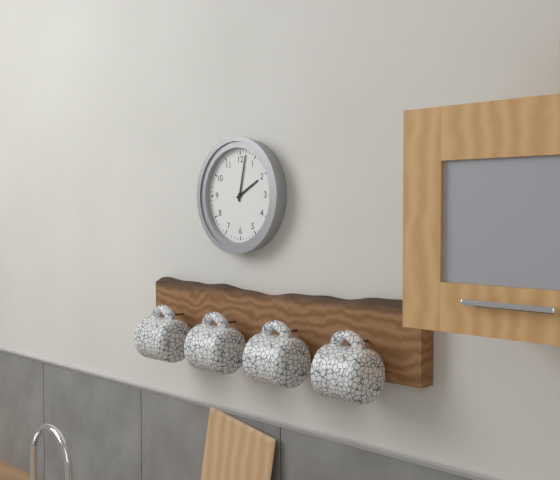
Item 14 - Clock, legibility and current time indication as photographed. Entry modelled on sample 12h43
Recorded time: 2h02
